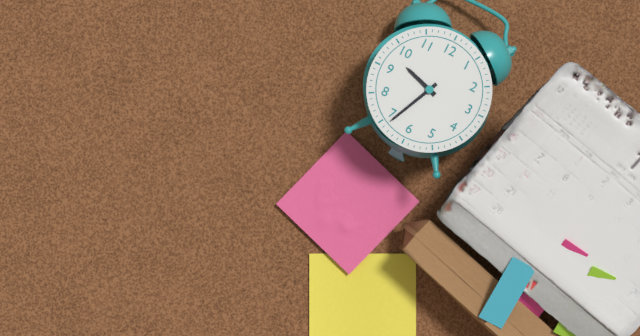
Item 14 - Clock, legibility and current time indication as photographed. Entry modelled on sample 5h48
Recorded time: 9h34
